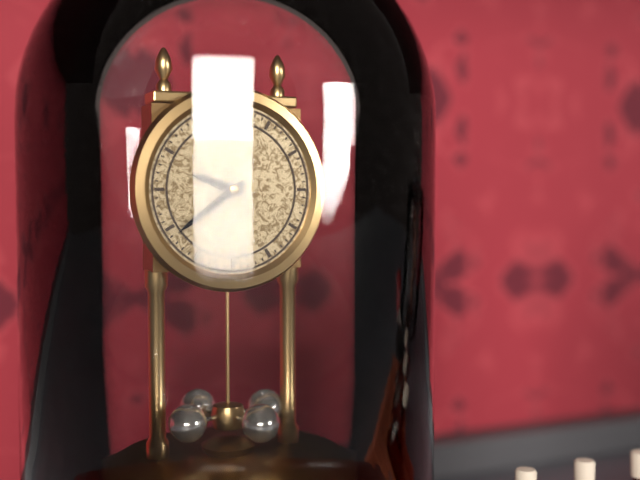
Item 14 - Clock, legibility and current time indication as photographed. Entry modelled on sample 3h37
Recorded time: 9h39
